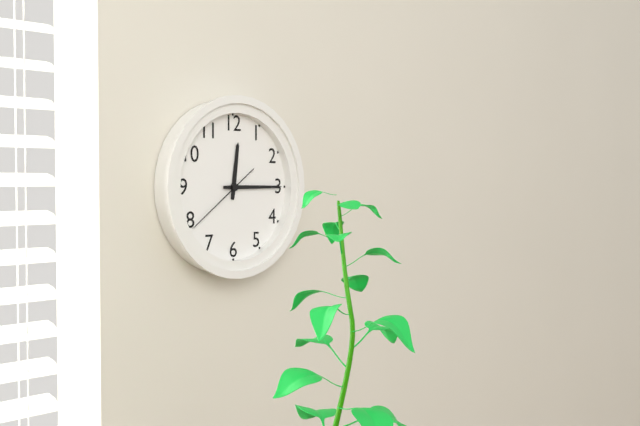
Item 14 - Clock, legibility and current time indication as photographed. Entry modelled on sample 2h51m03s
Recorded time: 12h15m39s
